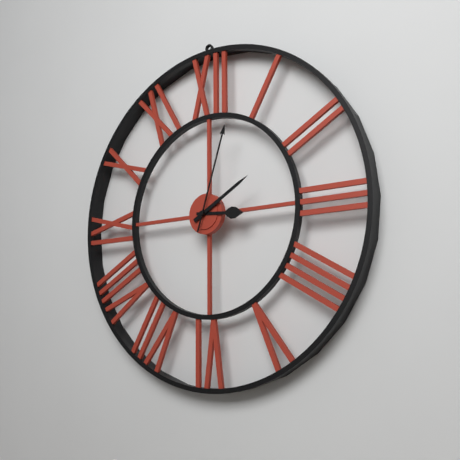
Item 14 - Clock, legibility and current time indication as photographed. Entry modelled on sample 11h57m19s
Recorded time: 3h10m03s
